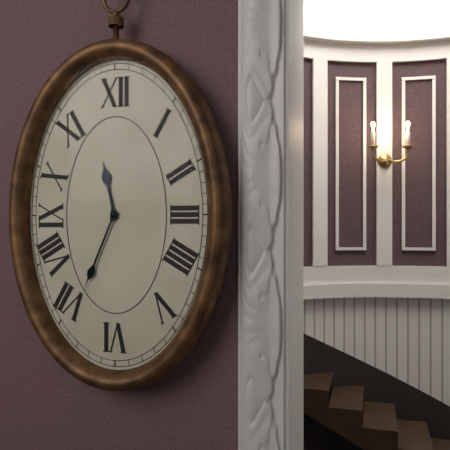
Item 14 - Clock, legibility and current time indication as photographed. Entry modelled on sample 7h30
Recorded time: 11h34
